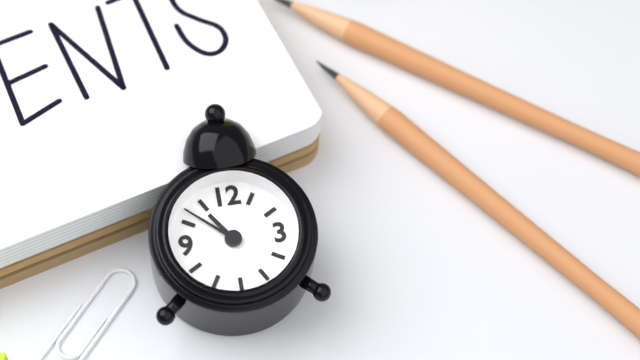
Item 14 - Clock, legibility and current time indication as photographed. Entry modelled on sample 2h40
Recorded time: 10h52
